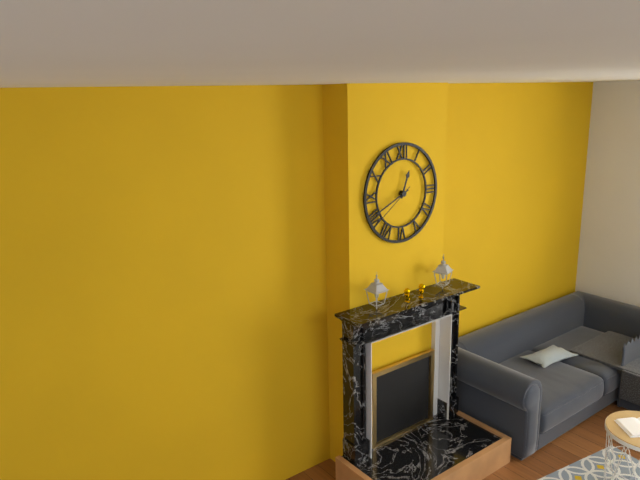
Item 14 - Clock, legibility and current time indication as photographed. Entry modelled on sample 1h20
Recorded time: 12h41
